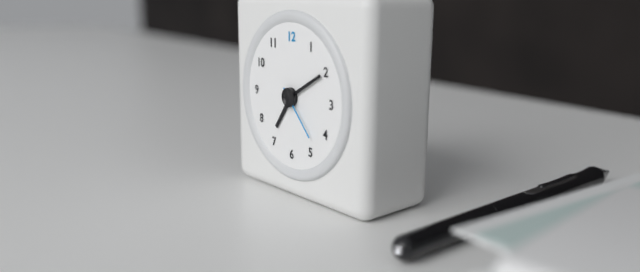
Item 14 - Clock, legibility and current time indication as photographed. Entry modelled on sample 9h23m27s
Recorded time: 7h10m23s
